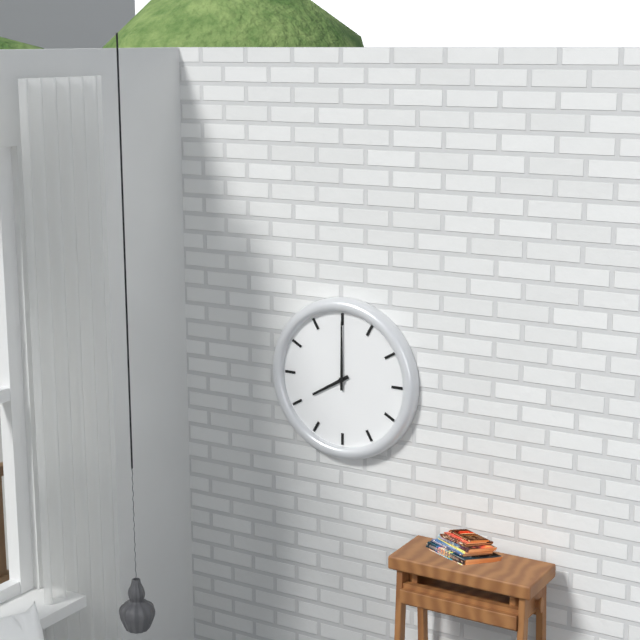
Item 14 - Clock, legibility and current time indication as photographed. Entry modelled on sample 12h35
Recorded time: 8h00
